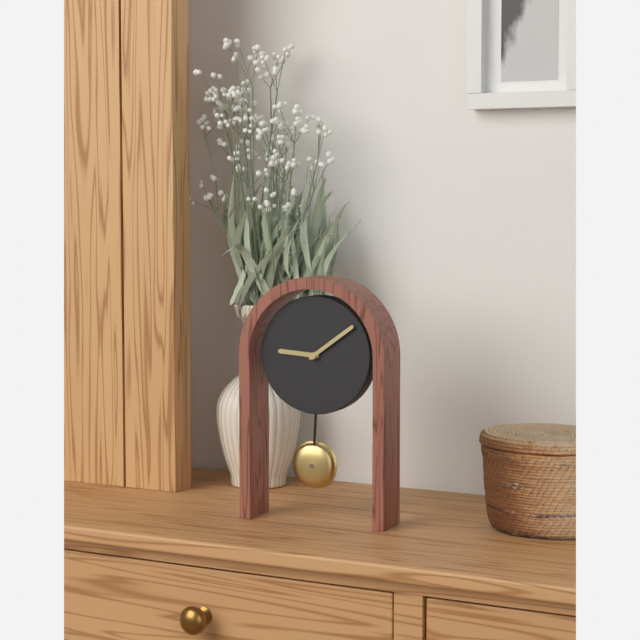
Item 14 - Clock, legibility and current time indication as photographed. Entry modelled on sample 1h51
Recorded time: 9h09
